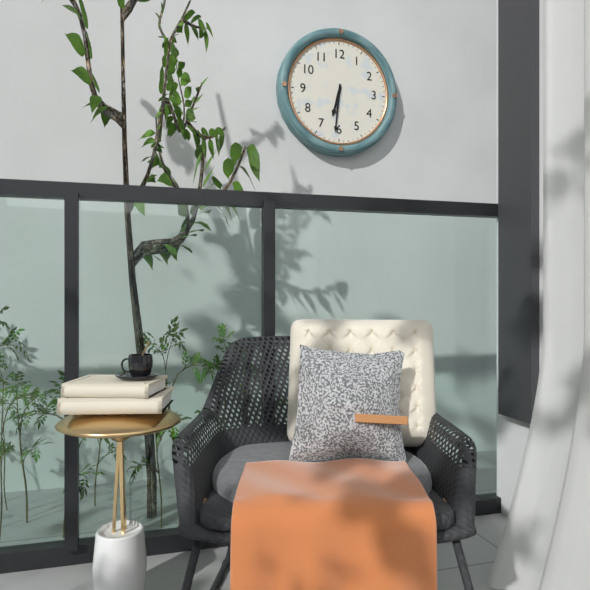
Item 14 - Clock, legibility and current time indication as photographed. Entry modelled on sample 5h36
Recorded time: 6h31
